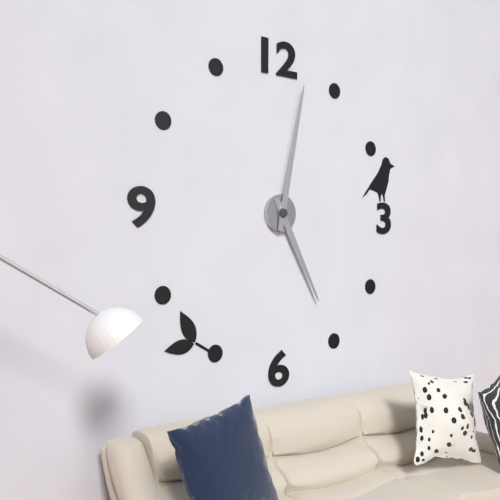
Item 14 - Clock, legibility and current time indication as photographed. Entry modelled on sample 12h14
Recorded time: 5h02
